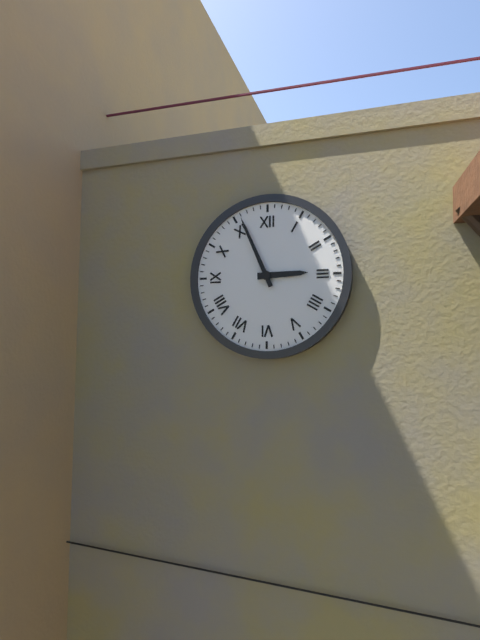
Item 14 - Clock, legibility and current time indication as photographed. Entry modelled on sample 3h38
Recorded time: 2h56
